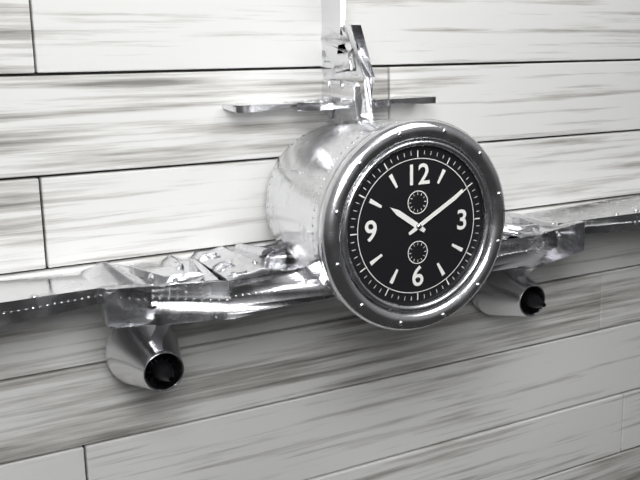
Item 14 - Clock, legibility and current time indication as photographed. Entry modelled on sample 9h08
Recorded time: 10h10
